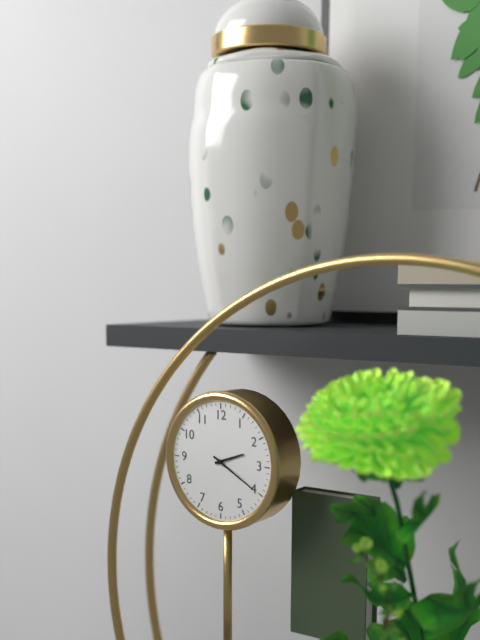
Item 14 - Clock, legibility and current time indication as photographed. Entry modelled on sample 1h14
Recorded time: 2h20
